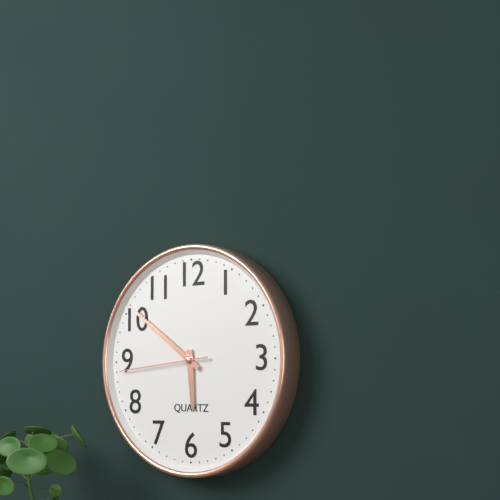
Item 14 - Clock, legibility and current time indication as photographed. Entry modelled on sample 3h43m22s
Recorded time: 5h51m44s
